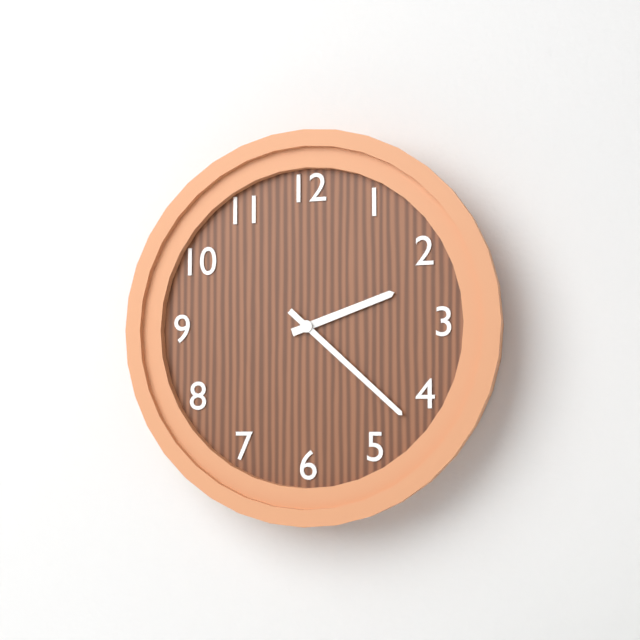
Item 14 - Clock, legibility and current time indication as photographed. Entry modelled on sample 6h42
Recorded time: 2h22
